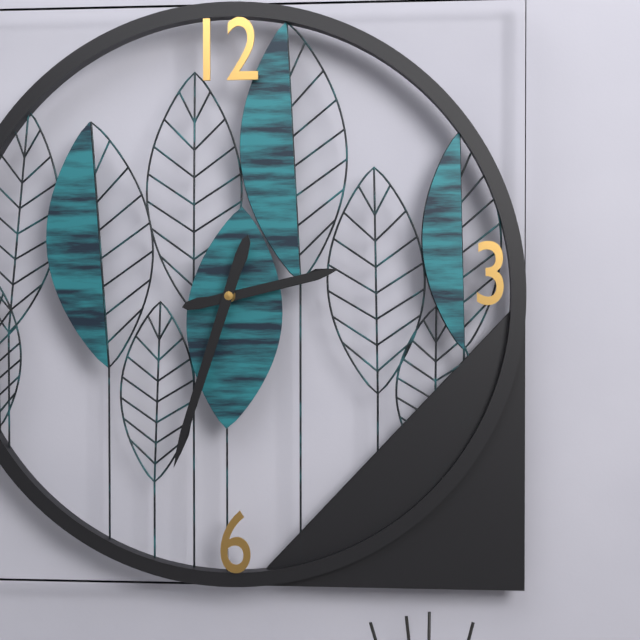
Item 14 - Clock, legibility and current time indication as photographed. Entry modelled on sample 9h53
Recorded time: 2h33
